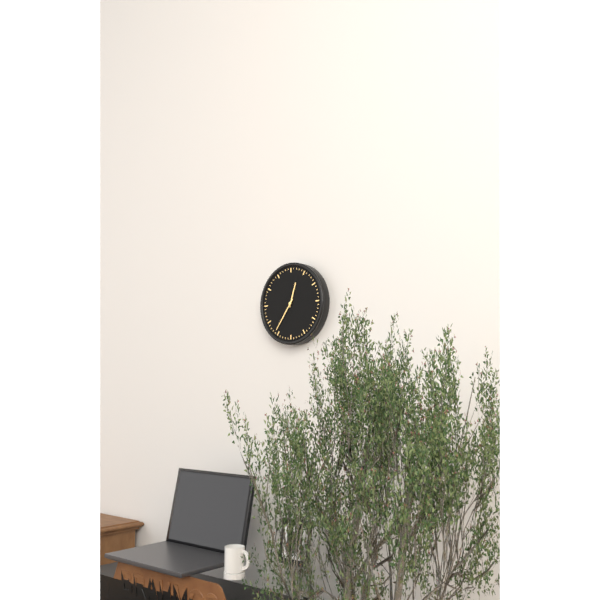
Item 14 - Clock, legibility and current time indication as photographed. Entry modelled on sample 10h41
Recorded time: 12h36
